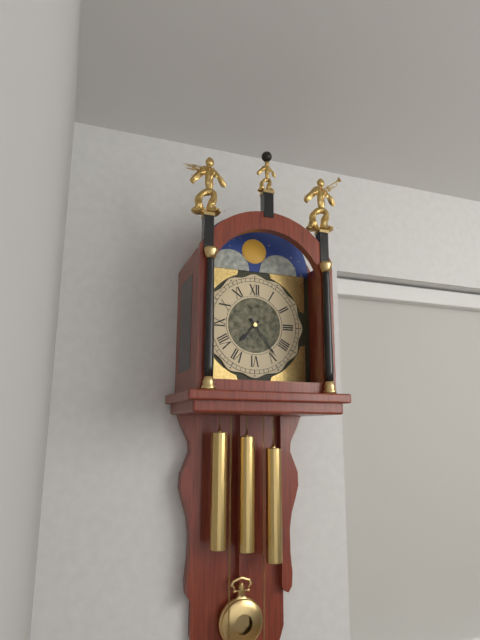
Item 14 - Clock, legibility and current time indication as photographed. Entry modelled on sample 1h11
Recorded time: 7h24
